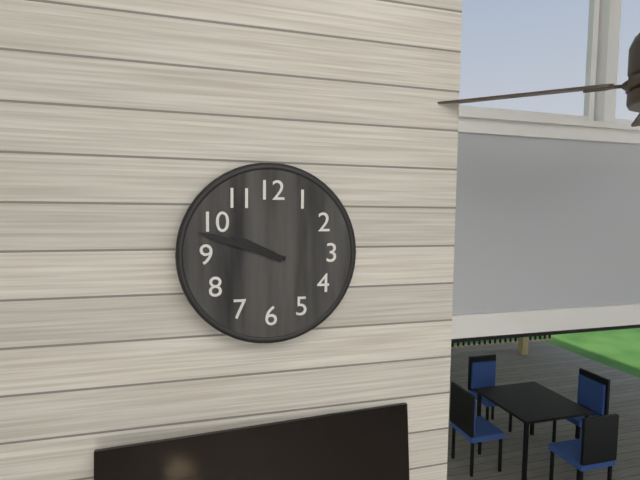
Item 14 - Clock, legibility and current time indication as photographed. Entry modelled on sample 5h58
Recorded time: 9h48
